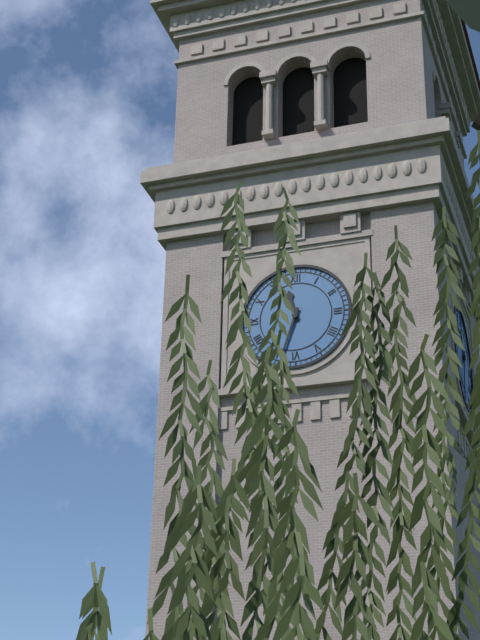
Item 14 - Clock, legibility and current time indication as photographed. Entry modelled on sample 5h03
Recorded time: 11h33
